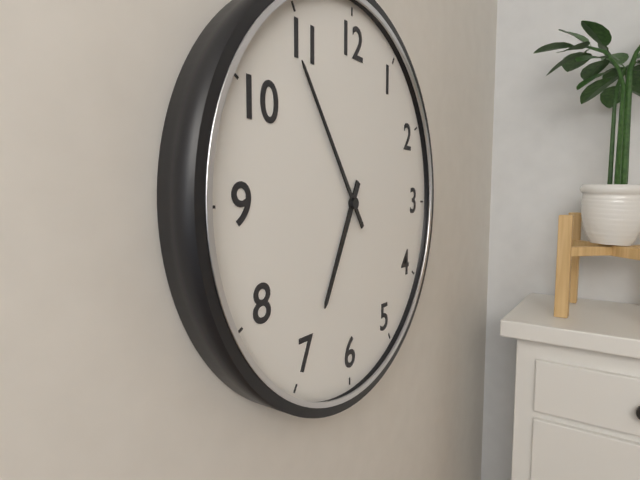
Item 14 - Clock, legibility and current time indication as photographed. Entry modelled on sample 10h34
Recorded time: 6h54
